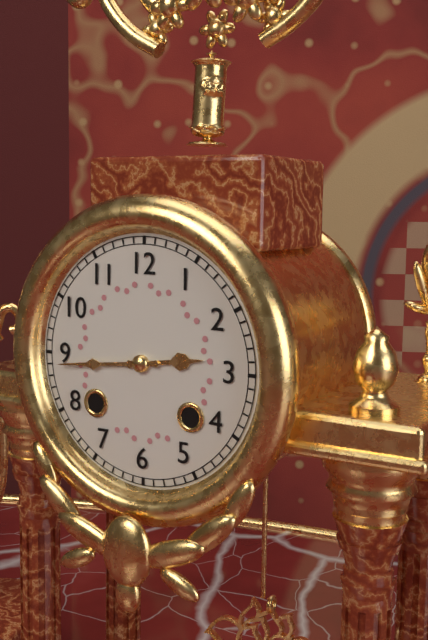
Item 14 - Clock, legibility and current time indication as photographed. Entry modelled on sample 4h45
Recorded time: 2h44
